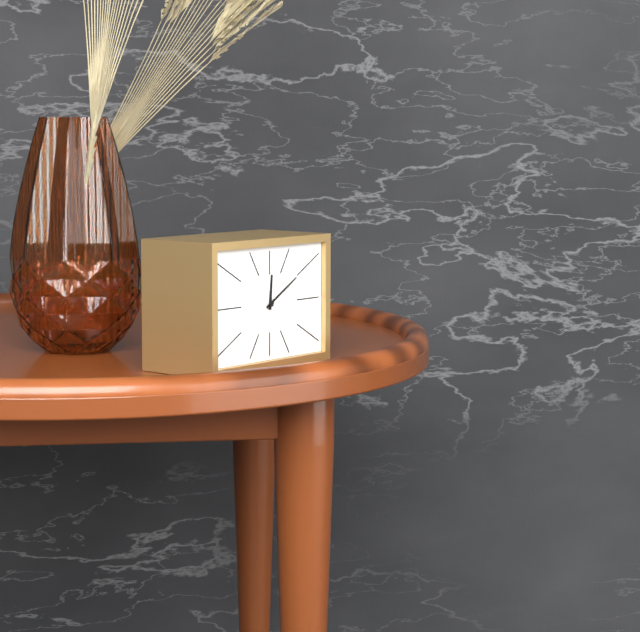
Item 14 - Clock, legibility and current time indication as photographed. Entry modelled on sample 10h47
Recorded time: 12h10
